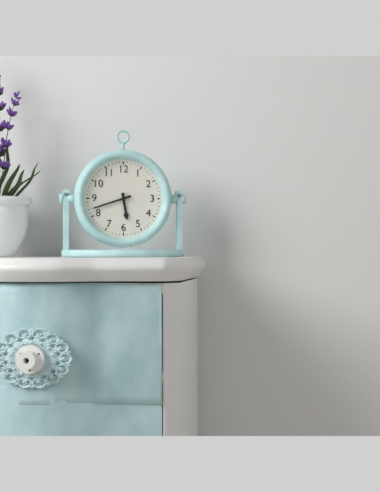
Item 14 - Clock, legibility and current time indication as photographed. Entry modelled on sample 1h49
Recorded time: 5h42
